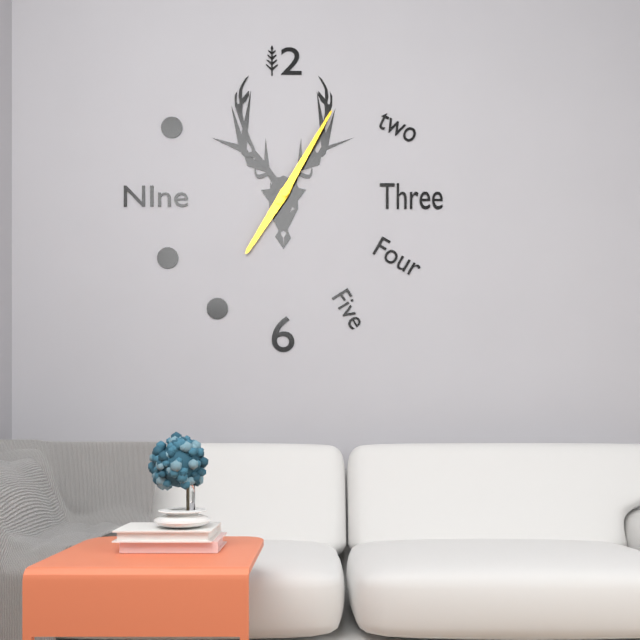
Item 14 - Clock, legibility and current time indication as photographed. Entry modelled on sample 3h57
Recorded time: 7h05
